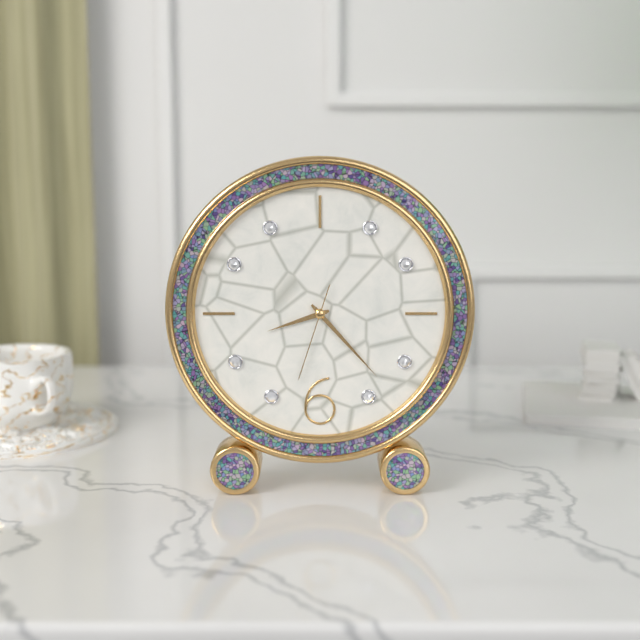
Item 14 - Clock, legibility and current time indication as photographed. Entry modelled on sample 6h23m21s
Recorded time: 8h23m33s
